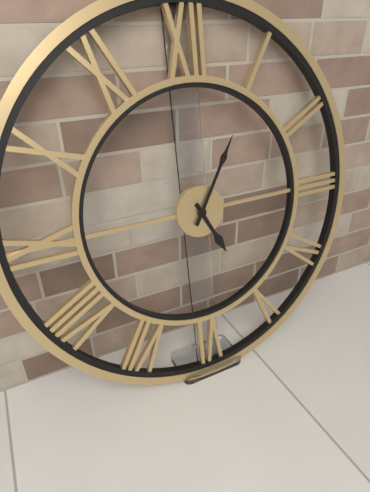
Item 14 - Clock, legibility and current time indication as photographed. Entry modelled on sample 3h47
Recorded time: 5h05
